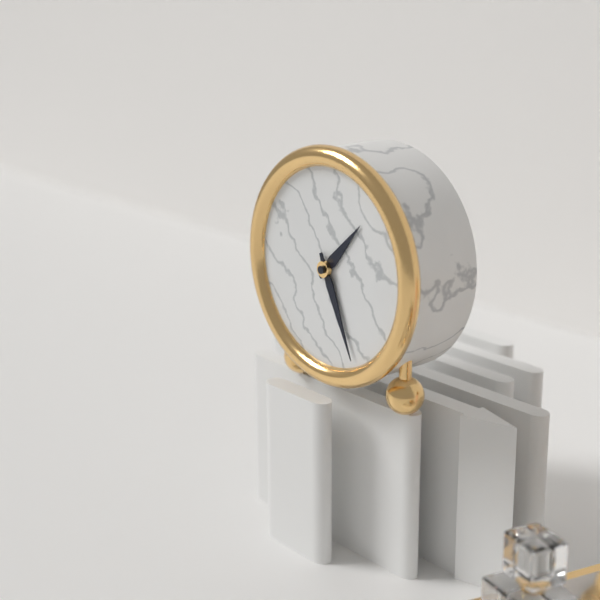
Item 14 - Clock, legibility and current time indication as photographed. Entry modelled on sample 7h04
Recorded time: 1h26
